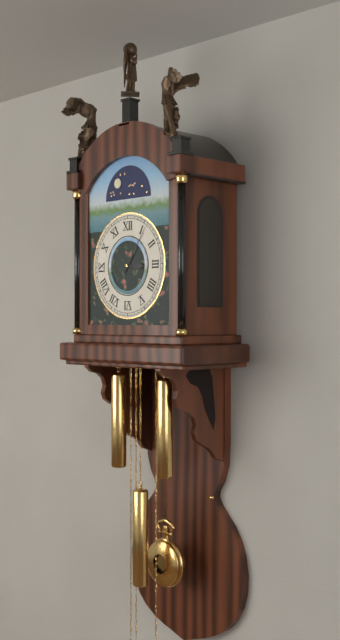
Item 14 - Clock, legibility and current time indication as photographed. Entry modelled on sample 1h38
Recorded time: 3h06
